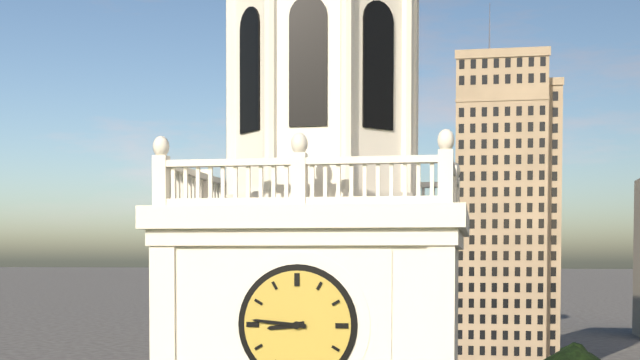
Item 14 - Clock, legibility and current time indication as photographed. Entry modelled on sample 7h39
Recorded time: 8h46
